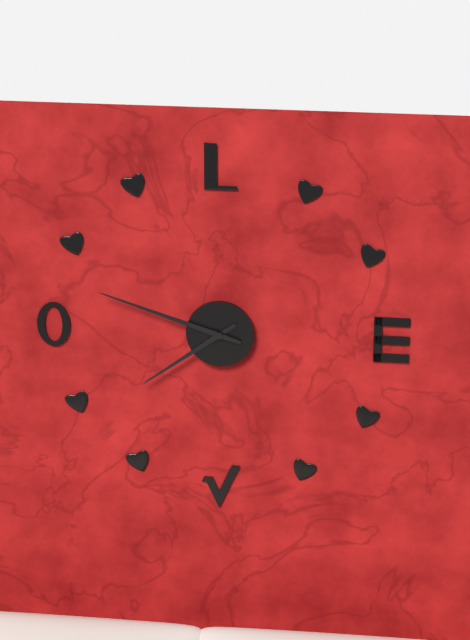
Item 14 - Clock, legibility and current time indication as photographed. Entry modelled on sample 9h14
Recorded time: 7h48
